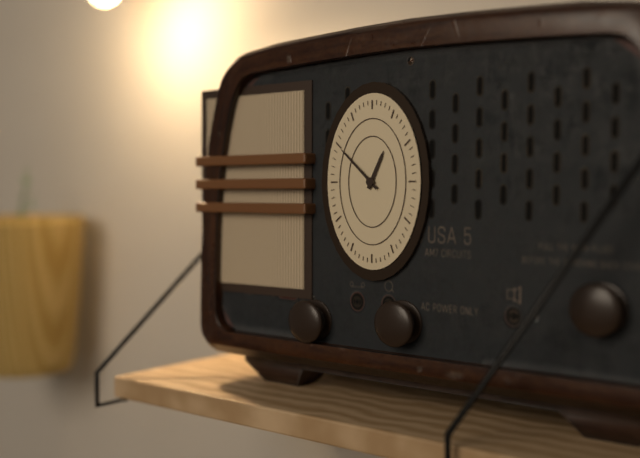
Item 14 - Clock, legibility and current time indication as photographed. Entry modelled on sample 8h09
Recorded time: 12h52
